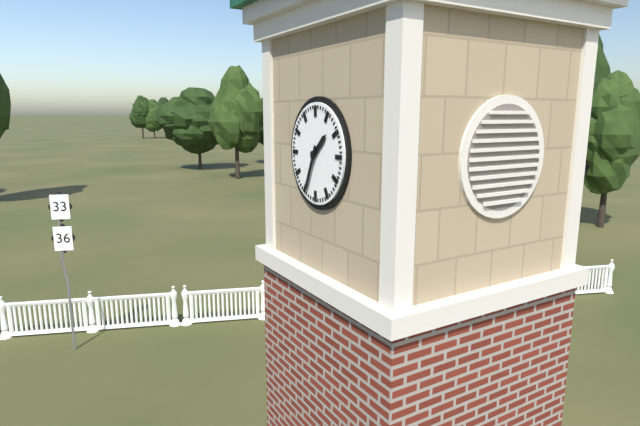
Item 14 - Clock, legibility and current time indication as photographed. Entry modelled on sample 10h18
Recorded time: 1h34
